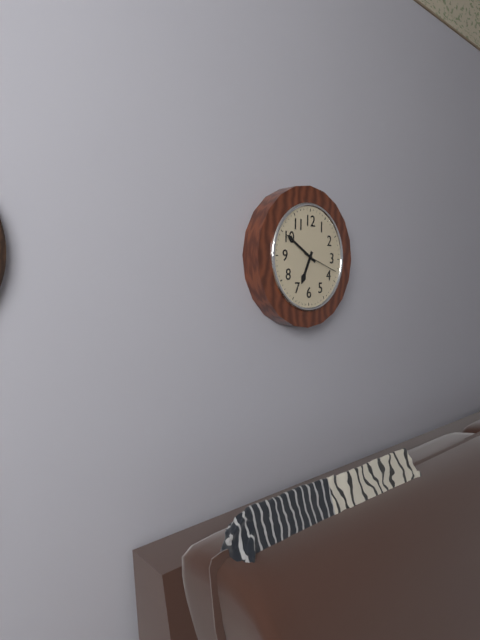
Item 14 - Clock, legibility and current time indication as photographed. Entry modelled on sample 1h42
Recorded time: 6h50
